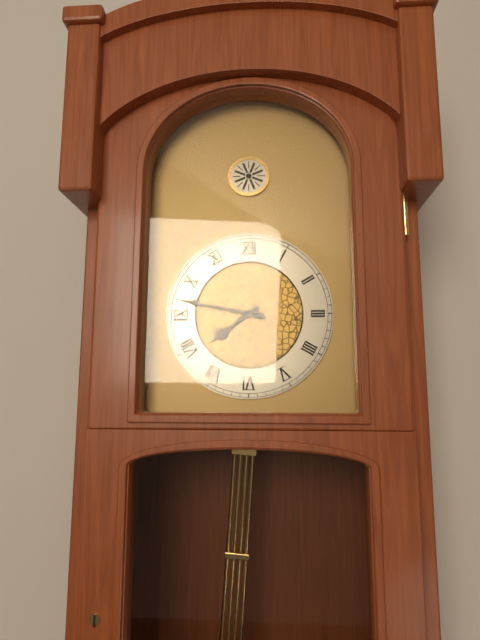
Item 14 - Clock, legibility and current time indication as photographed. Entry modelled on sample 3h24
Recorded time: 7h47
